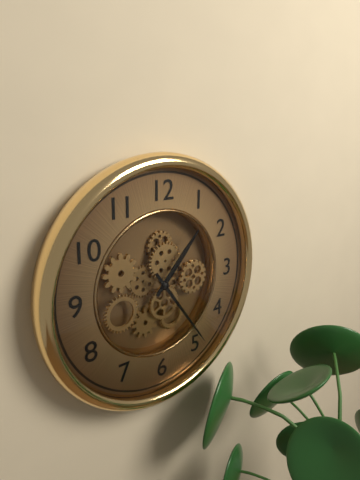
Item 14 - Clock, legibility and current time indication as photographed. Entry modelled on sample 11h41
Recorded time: 1h24
